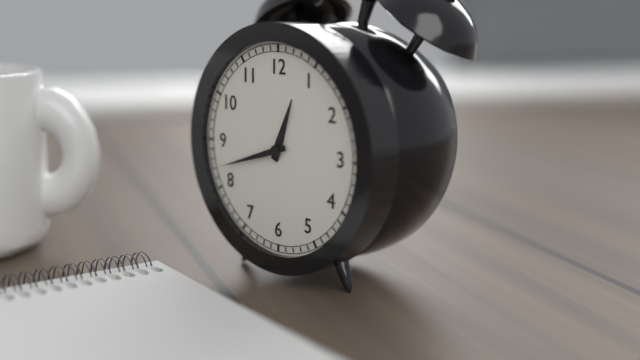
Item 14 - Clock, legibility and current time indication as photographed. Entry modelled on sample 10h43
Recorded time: 12h42
